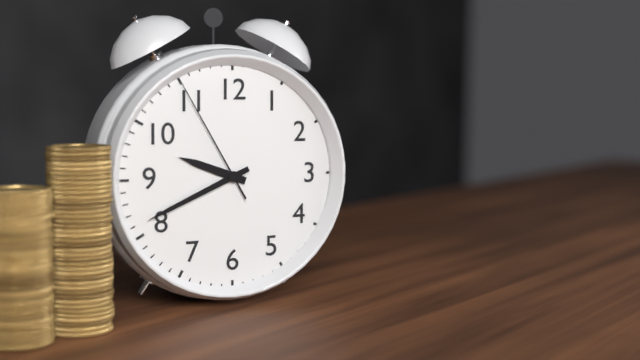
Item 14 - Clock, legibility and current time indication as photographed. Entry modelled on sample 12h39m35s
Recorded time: 9h41m55s
